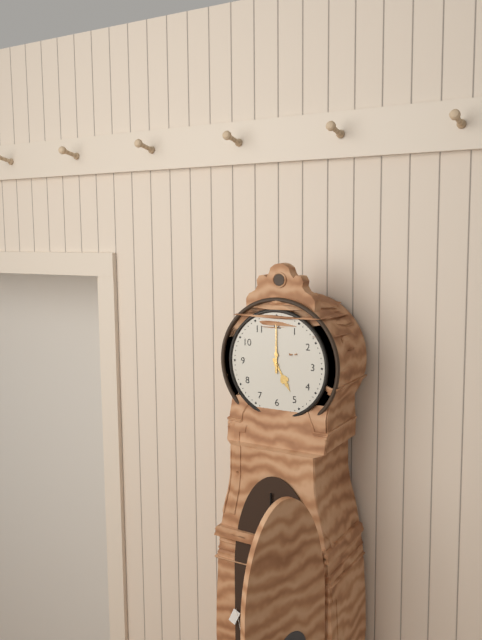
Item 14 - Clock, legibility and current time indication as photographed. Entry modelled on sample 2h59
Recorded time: 5h00
